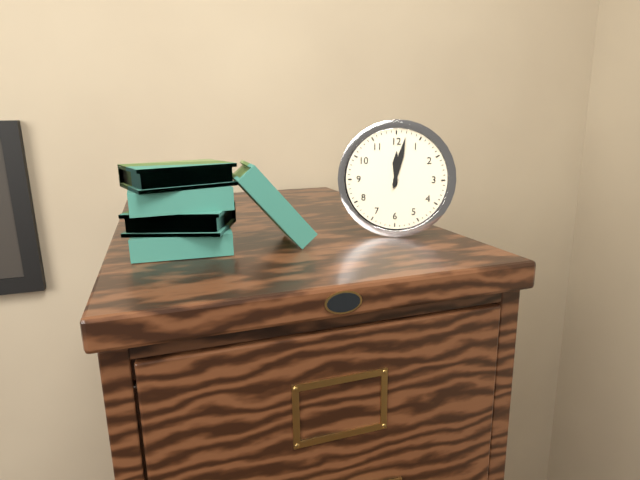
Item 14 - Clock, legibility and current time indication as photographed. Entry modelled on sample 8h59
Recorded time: 12h02
